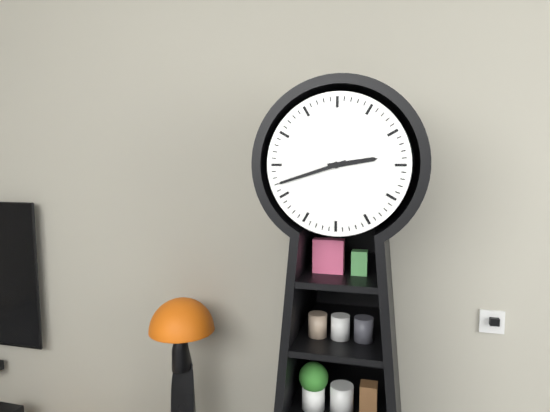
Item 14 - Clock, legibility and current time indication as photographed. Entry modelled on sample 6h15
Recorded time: 2h42
